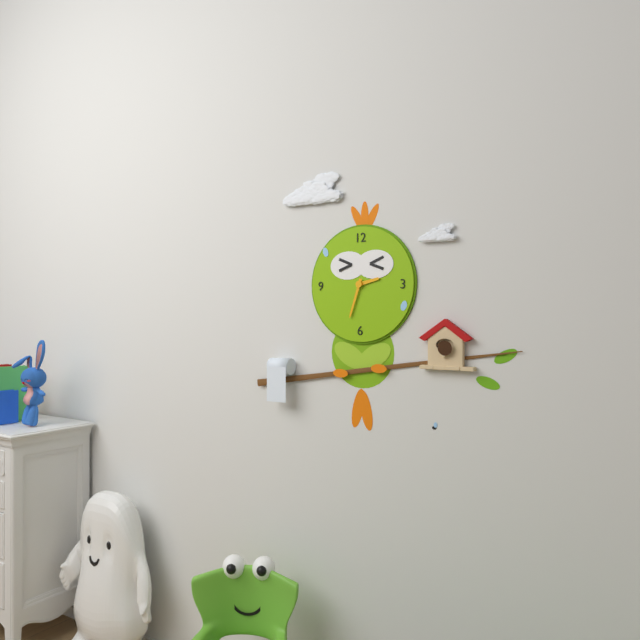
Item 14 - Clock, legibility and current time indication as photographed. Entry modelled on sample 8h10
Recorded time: 2h33
